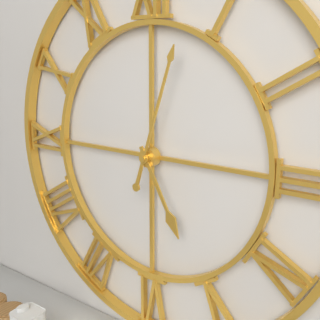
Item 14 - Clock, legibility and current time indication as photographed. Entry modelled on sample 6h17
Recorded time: 5h03
